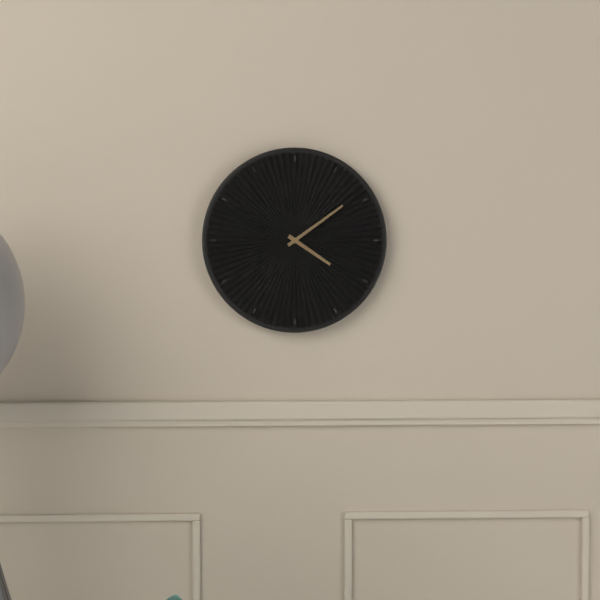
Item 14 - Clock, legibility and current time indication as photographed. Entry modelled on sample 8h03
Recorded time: 4h09
